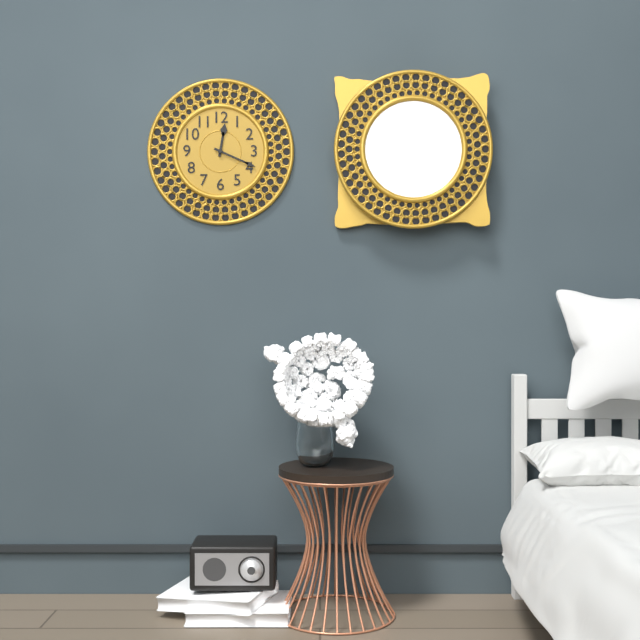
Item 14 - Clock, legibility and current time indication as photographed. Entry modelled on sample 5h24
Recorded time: 12h19
